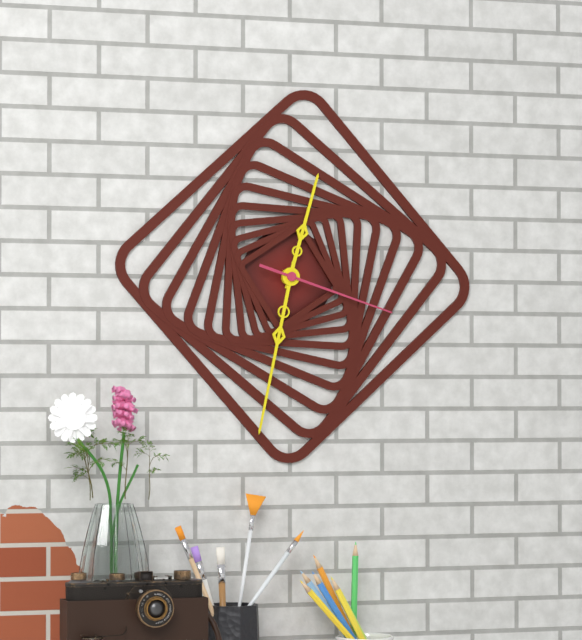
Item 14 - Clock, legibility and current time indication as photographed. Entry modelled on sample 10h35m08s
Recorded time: 12h32m18s
